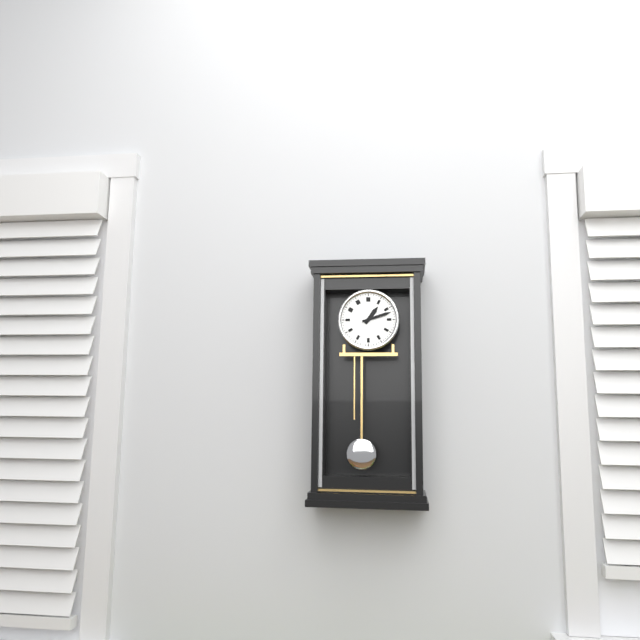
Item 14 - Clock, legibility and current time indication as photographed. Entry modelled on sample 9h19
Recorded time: 1h12
